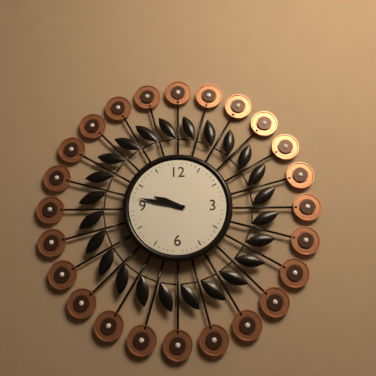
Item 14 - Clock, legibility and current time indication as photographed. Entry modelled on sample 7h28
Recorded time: 9h47
